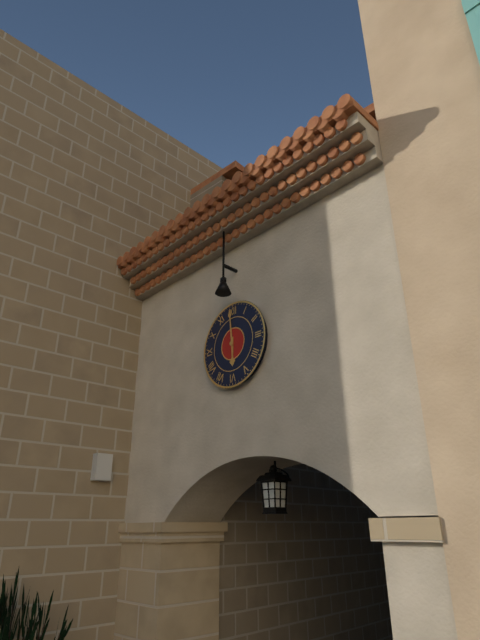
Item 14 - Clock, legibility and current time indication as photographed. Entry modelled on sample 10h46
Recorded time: 5h59
